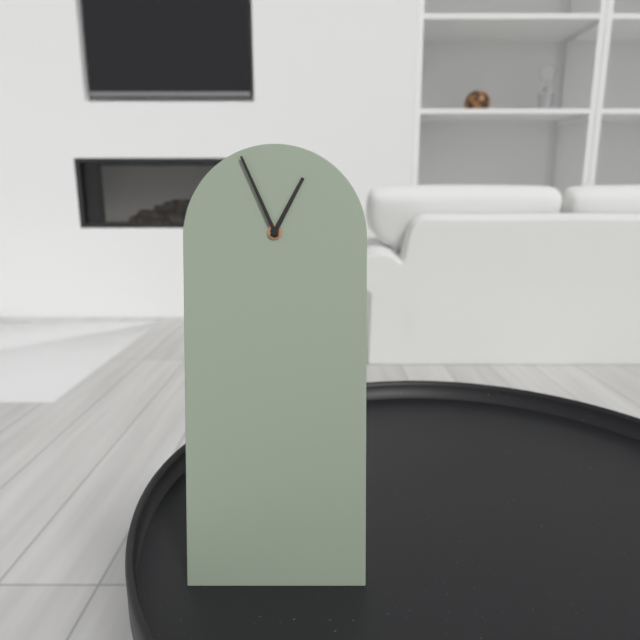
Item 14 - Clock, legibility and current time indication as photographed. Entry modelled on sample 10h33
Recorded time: 12h56
